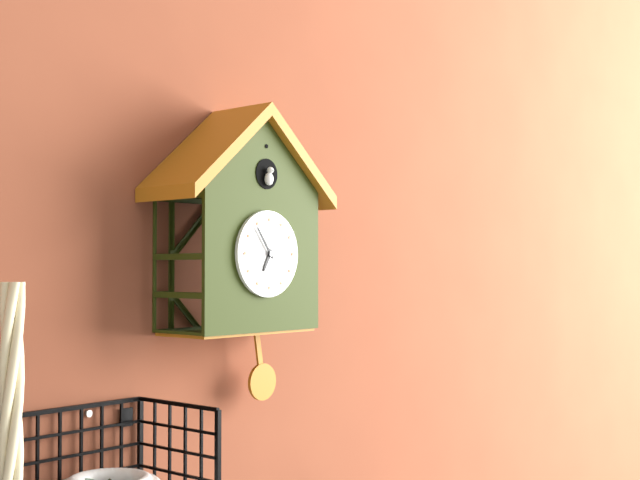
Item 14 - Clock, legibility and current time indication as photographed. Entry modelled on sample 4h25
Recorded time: 6h54
